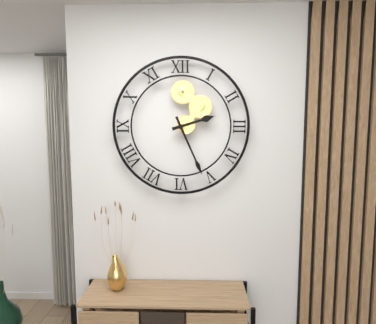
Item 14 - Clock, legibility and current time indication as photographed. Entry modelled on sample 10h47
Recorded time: 2h26
